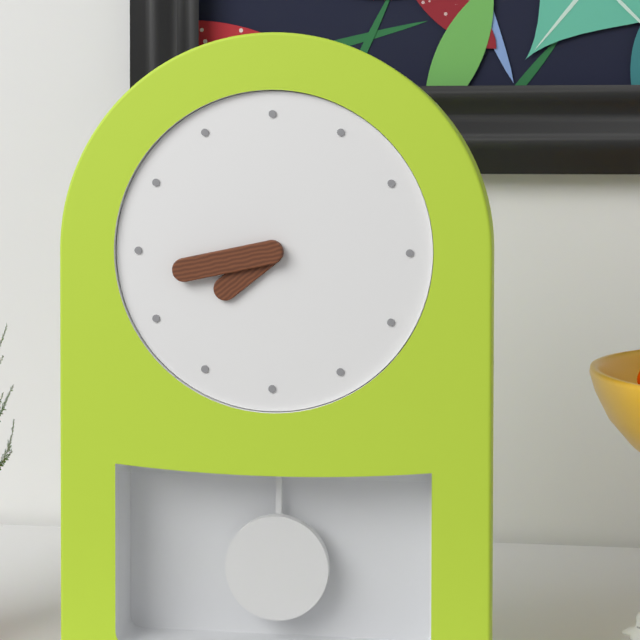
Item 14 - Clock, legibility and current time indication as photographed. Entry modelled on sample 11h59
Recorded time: 7h43
